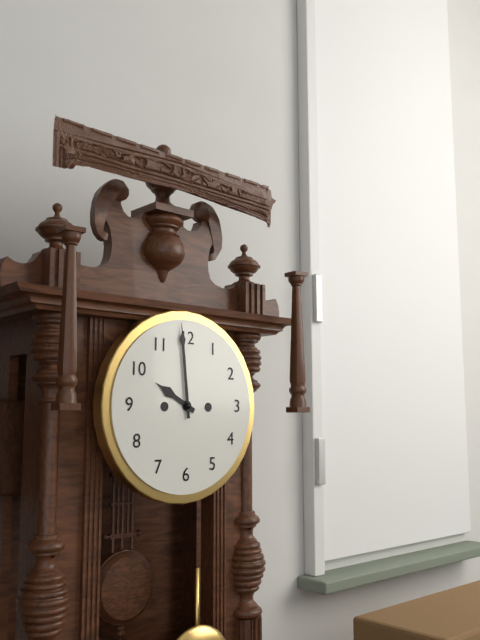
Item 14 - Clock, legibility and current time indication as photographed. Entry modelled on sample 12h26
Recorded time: 9h59
